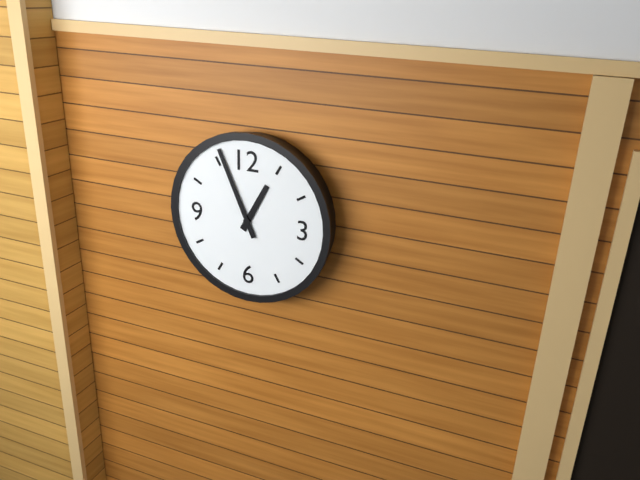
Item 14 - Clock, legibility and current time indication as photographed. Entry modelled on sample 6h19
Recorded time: 12h56
